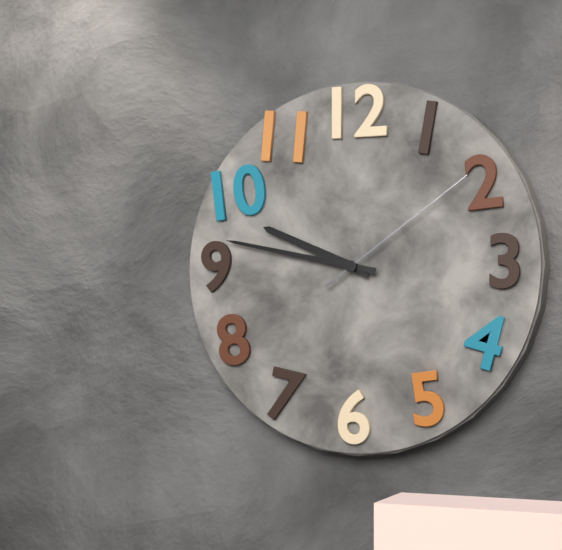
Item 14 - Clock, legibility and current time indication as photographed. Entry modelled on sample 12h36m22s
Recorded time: 9h47m09s
